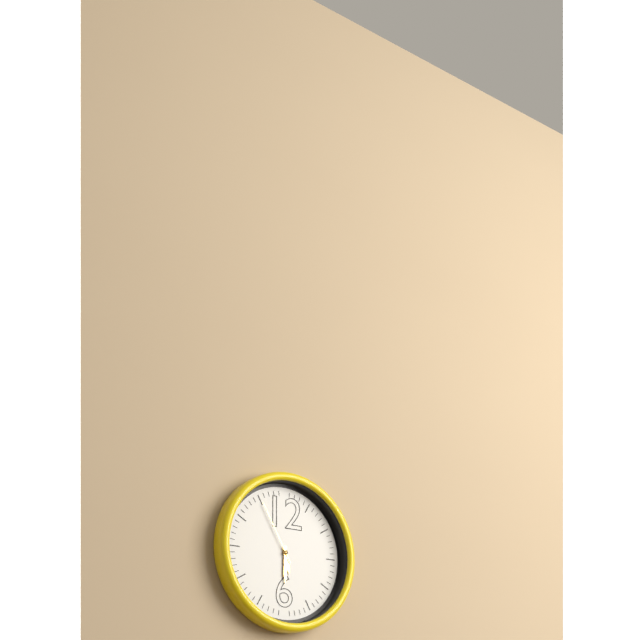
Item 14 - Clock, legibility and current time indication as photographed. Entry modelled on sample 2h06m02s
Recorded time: 5h30m55s
